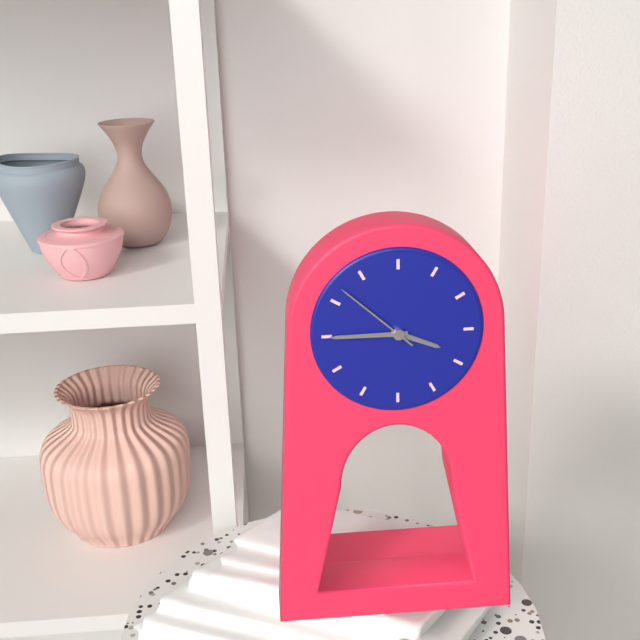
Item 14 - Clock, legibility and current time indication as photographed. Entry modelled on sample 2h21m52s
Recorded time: 3h45m52s
